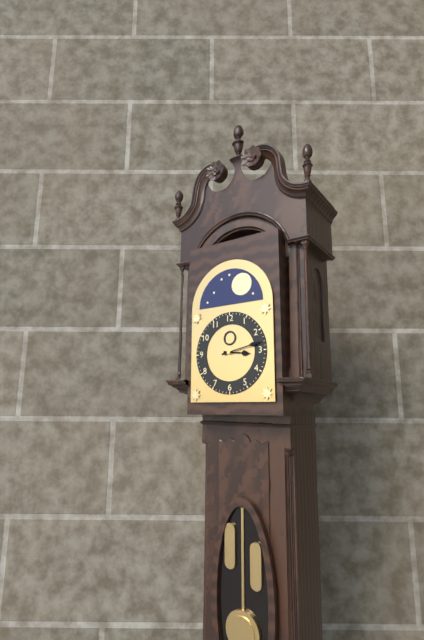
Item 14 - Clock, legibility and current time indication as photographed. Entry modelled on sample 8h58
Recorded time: 3h13
